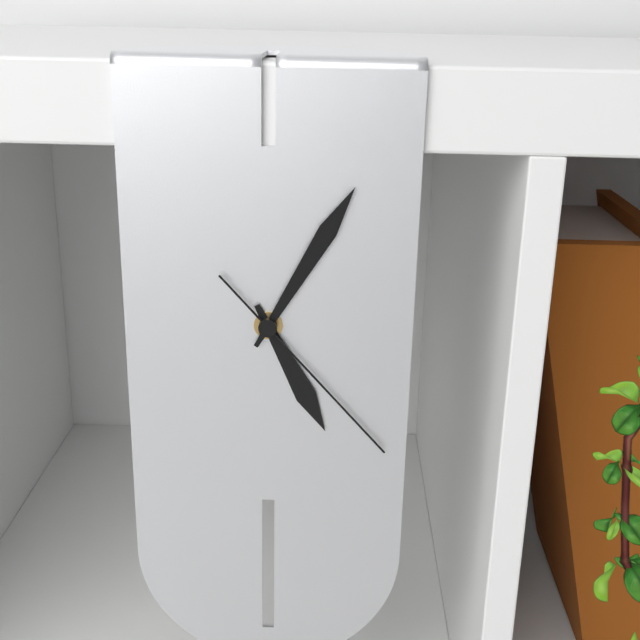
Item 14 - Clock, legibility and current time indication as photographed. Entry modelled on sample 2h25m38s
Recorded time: 5h05m23s
